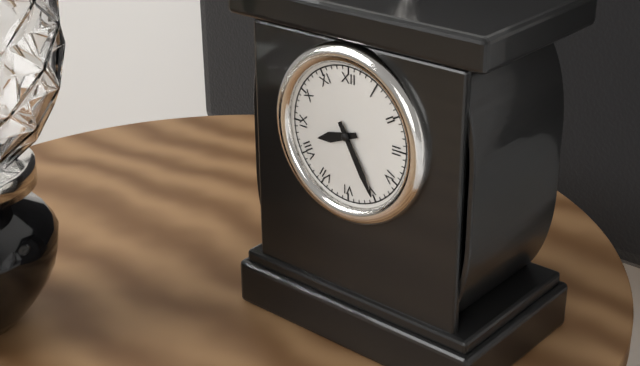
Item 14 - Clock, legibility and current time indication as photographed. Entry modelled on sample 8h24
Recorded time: 8h25
